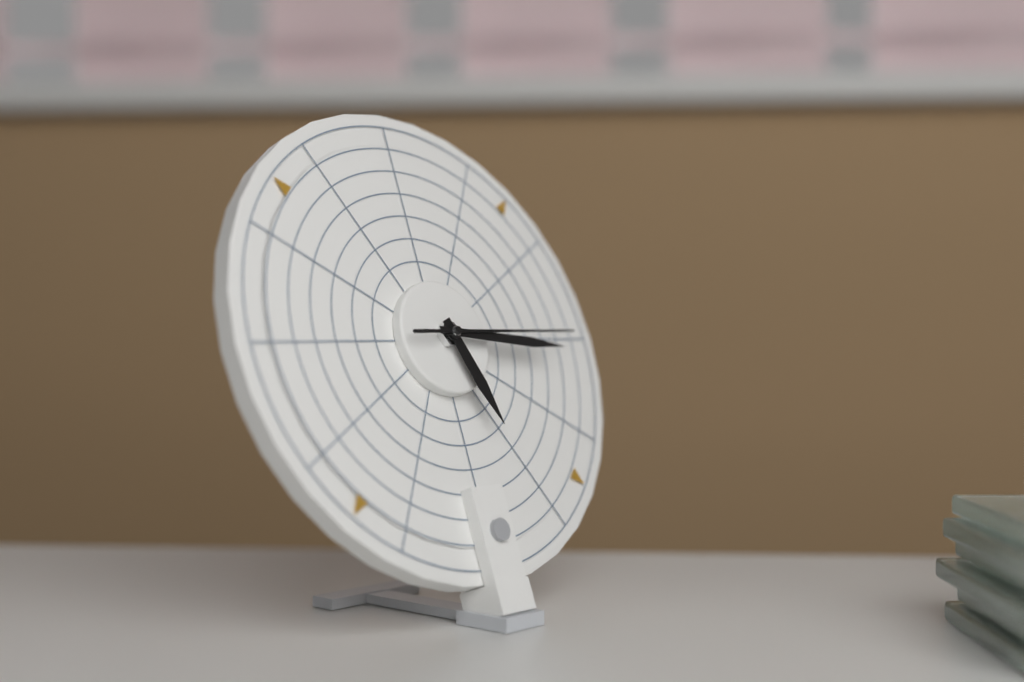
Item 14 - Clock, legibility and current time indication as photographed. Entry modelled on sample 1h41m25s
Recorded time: 5h16m15s
